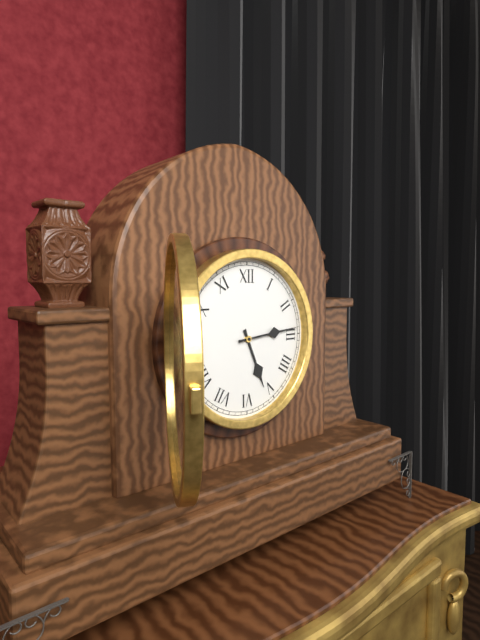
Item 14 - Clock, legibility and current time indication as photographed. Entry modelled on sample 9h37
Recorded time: 5h14
